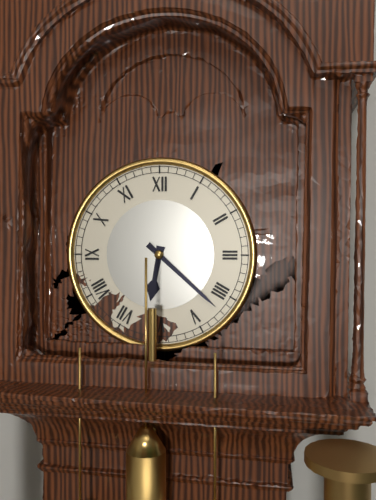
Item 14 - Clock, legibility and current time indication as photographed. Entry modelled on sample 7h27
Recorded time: 6h22
